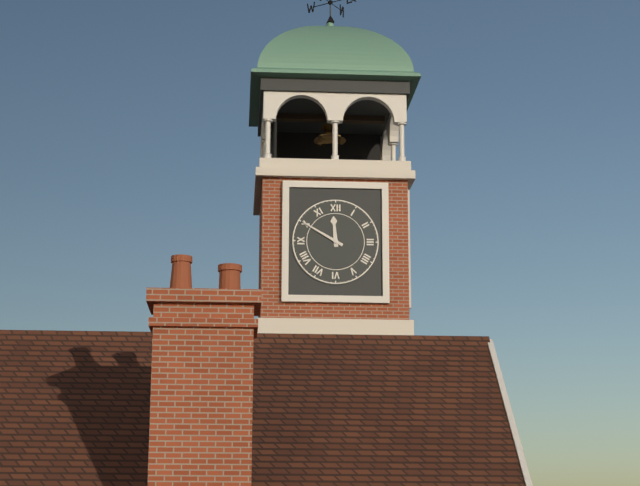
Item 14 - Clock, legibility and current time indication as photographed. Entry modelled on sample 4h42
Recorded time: 11h50
